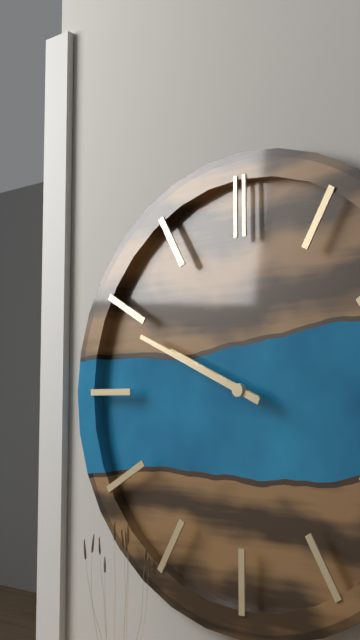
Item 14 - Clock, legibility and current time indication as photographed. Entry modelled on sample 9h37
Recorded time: 9h49
